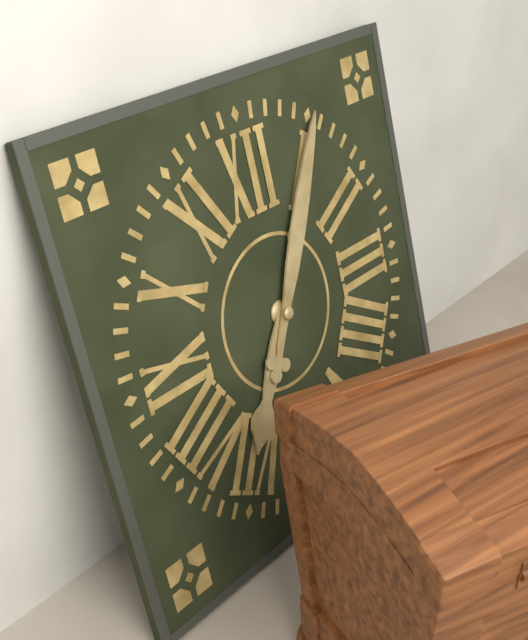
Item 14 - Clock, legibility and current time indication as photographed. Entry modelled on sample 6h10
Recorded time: 7h05
